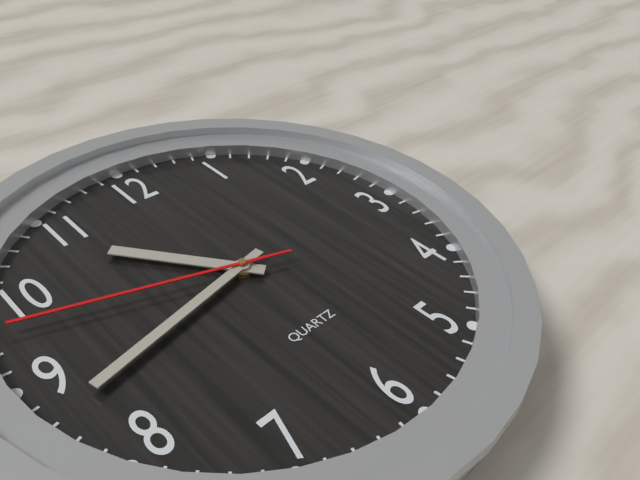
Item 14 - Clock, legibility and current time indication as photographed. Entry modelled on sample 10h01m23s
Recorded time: 10h43m48s
